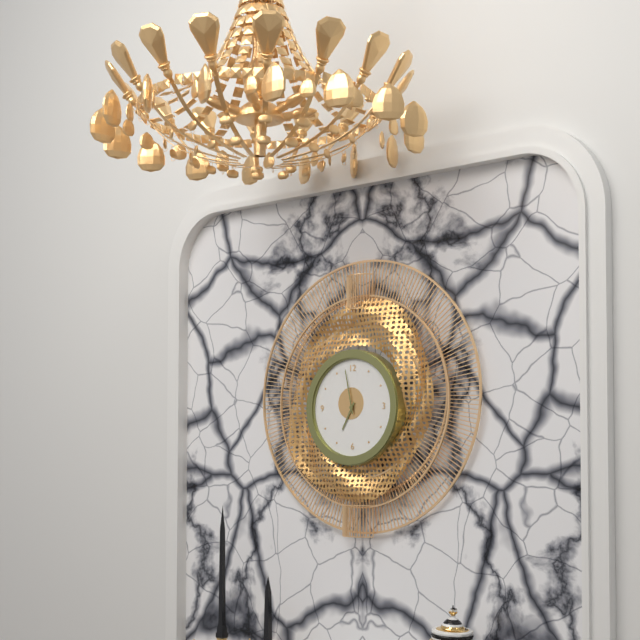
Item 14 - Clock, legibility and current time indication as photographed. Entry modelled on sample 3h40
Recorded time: 6h58
